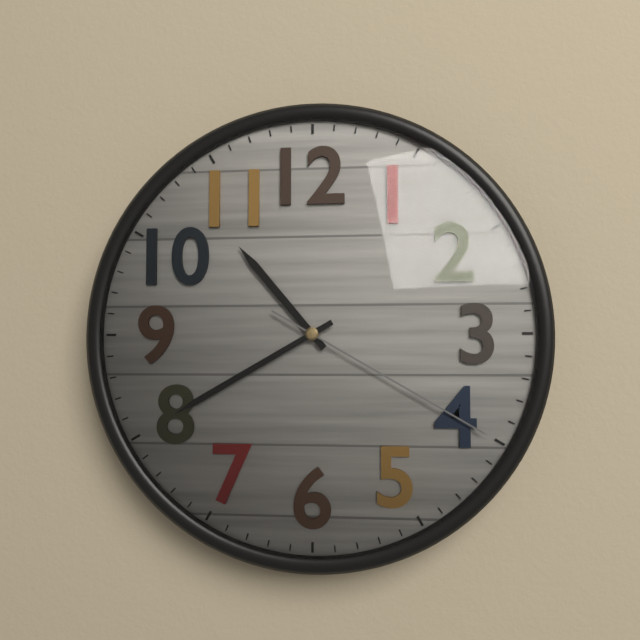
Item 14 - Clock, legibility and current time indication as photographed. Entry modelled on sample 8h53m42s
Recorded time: 10h40m20s
